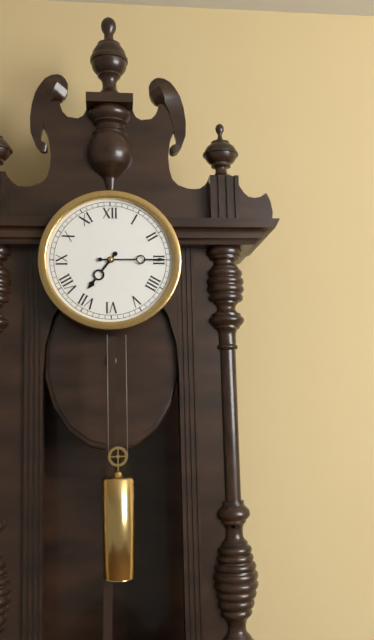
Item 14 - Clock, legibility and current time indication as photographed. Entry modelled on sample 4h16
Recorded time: 7h15
